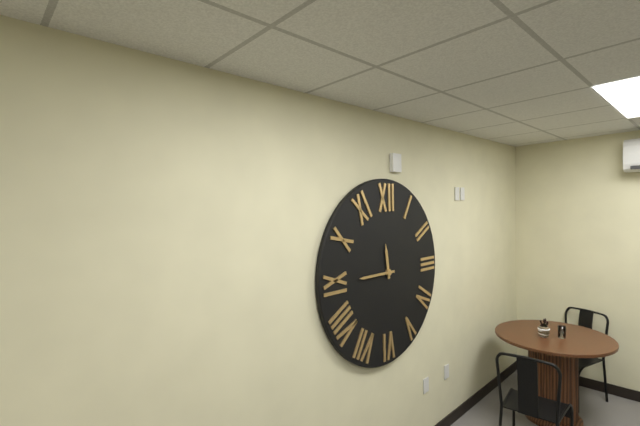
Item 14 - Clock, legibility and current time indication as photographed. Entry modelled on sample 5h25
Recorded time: 11h45
